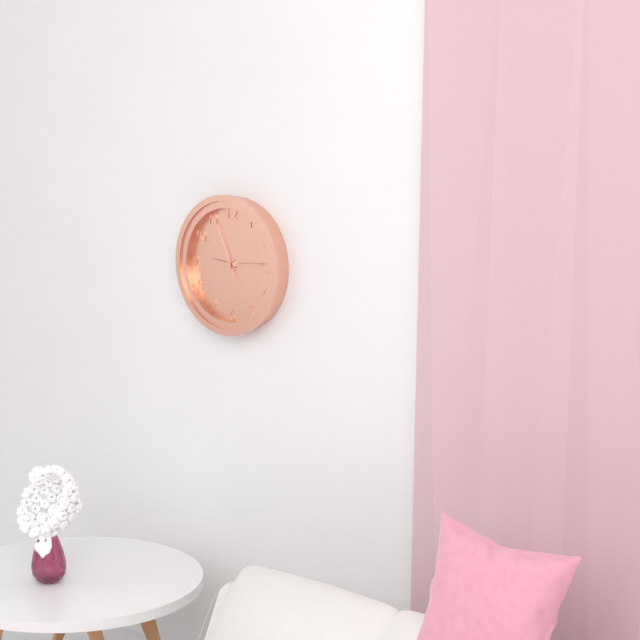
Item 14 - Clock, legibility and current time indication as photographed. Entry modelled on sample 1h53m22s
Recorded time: 9h14m56s
